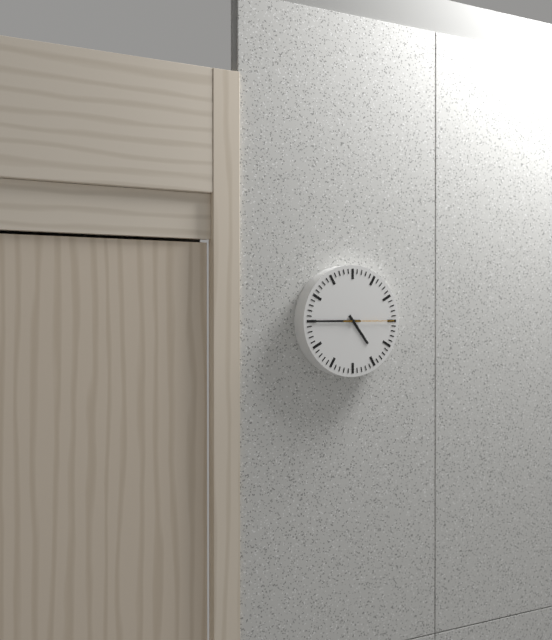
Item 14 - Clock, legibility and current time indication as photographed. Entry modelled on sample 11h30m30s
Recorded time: 4h45m15s
